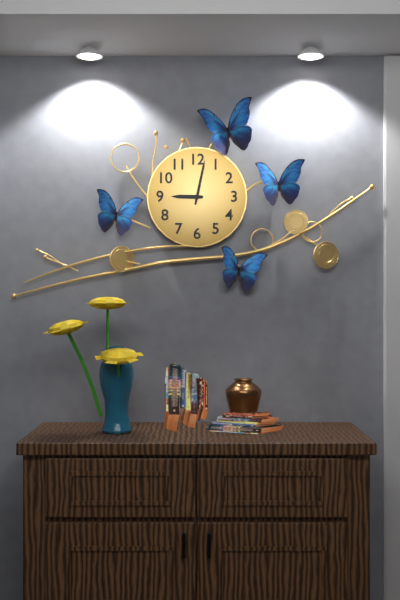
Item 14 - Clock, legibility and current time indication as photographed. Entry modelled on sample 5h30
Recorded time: 9h02
